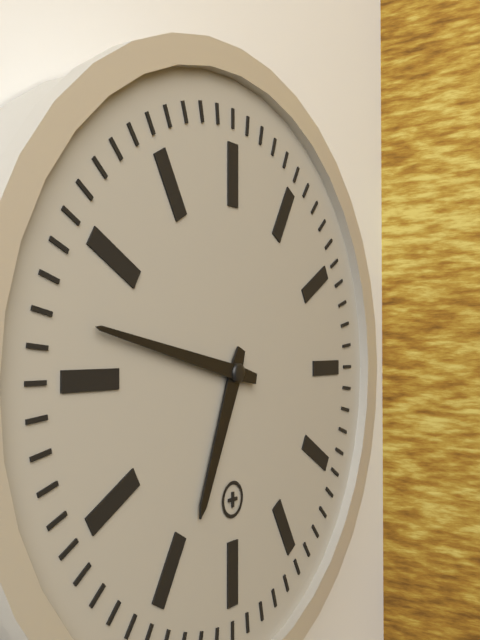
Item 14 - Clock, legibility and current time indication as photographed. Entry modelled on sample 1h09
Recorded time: 6h47
